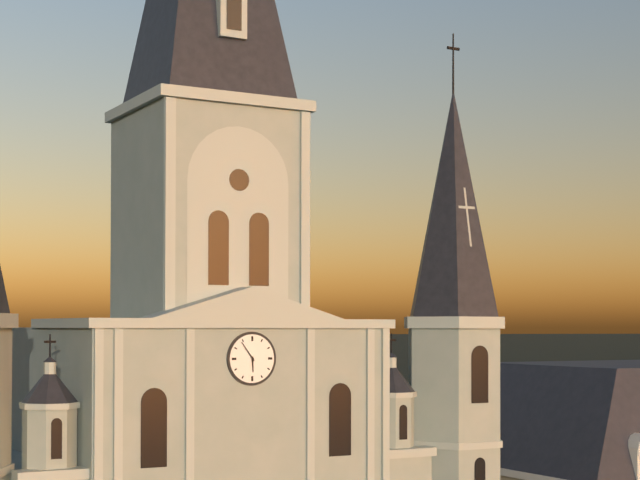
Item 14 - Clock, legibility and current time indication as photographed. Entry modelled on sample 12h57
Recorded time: 5h54
